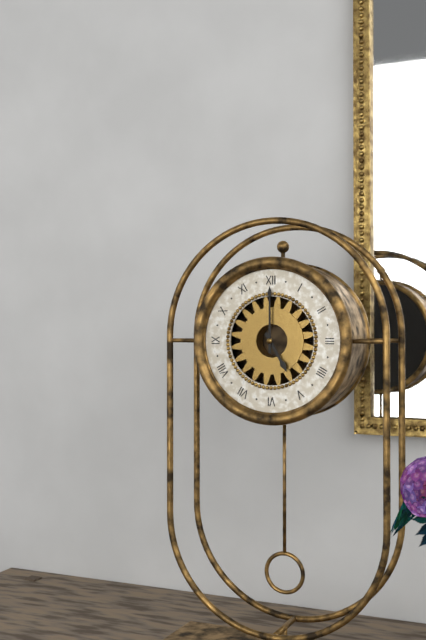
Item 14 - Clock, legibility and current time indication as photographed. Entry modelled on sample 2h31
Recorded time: 5h00
